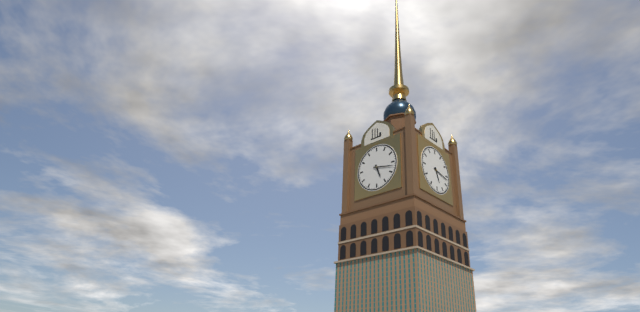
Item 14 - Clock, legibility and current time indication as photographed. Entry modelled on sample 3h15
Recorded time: 5h17
